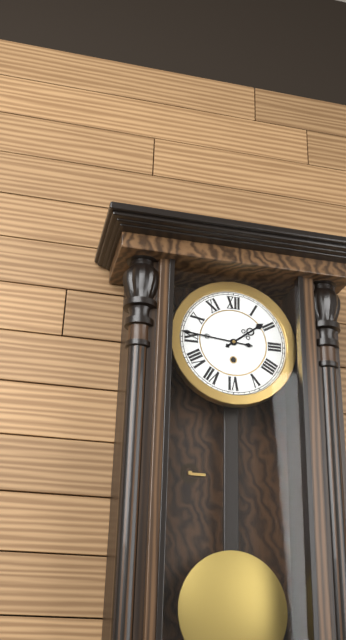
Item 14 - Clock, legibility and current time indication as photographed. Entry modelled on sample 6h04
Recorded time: 1h46
